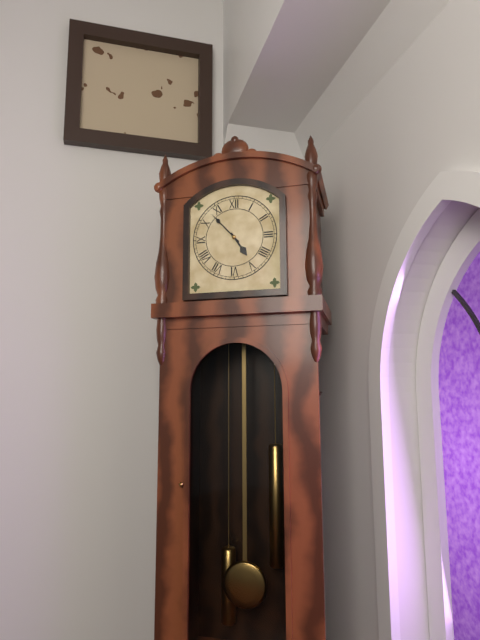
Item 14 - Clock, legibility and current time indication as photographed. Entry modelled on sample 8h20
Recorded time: 4h53
